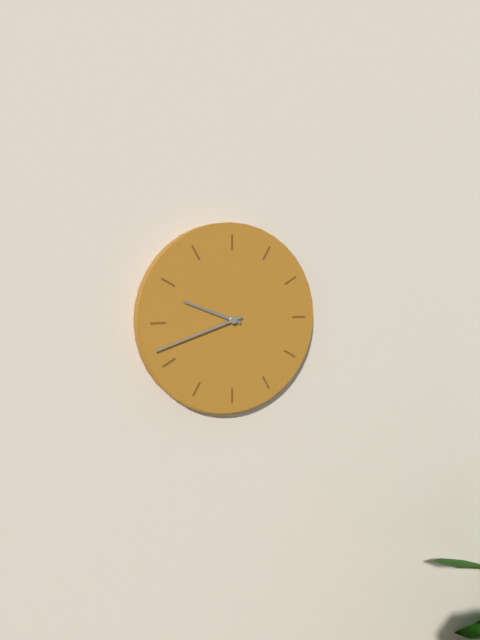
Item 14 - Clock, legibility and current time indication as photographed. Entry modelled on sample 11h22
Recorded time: 9h42
